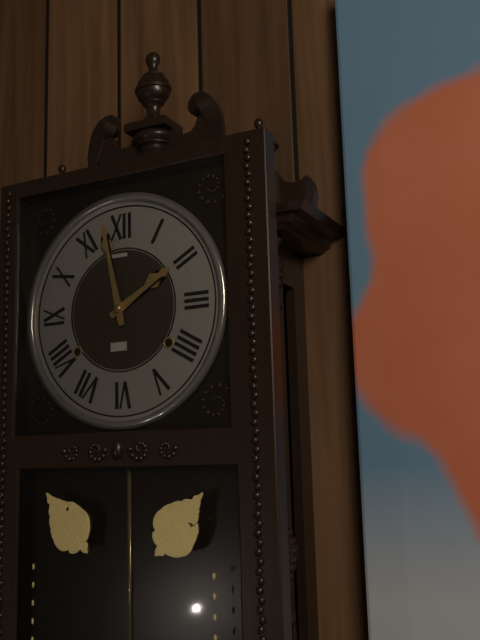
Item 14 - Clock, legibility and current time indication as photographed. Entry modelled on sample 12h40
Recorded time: 1h58
